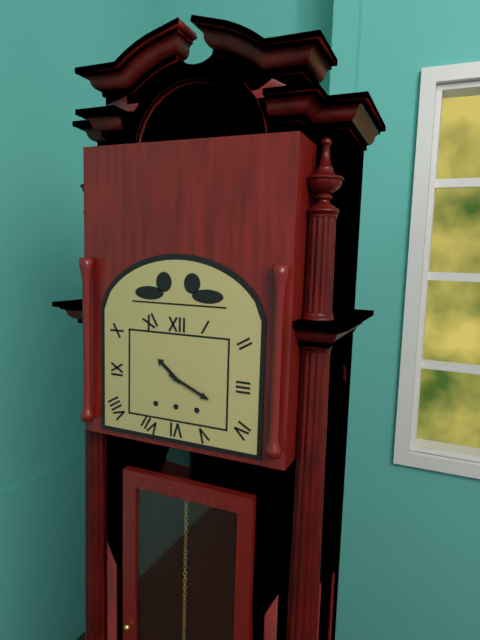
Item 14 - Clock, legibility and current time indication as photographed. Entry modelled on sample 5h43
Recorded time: 10h19
